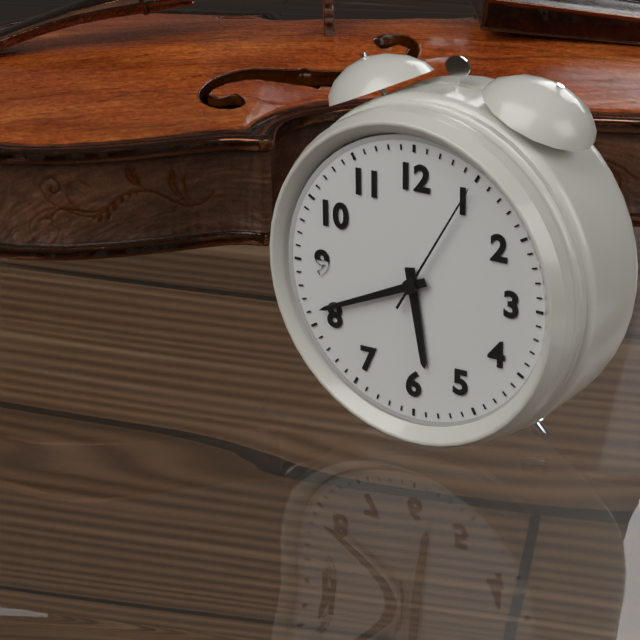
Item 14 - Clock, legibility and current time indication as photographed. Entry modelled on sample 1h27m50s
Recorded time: 5h41m05s
